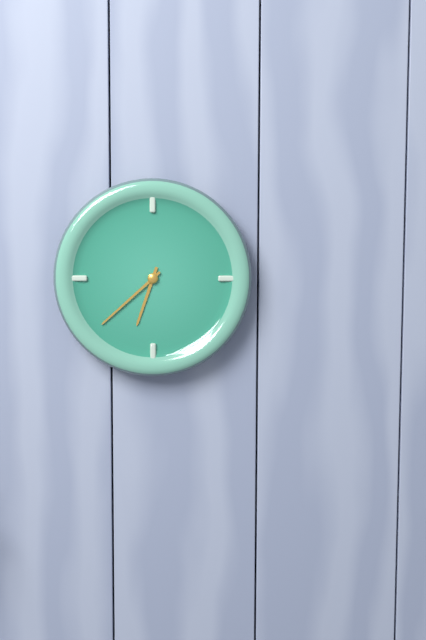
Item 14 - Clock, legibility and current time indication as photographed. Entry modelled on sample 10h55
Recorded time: 6h38
